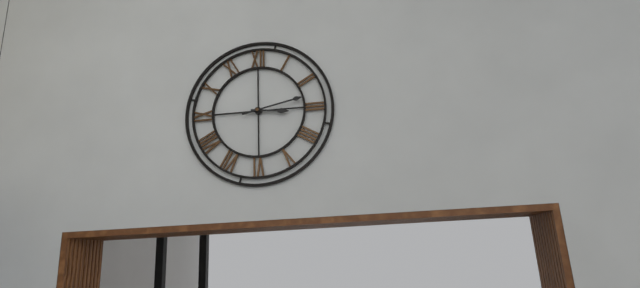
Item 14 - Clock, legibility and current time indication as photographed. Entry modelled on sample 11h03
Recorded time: 3h13
